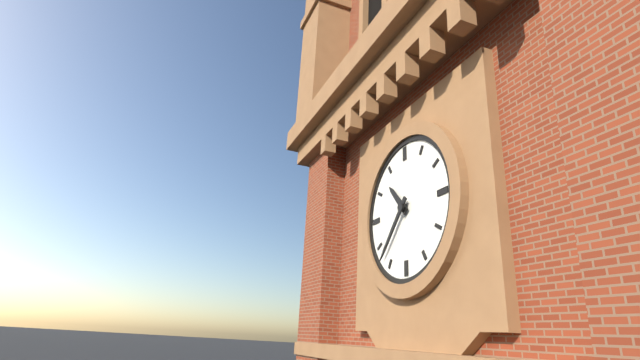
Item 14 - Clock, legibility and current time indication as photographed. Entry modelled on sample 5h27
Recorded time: 10h37
